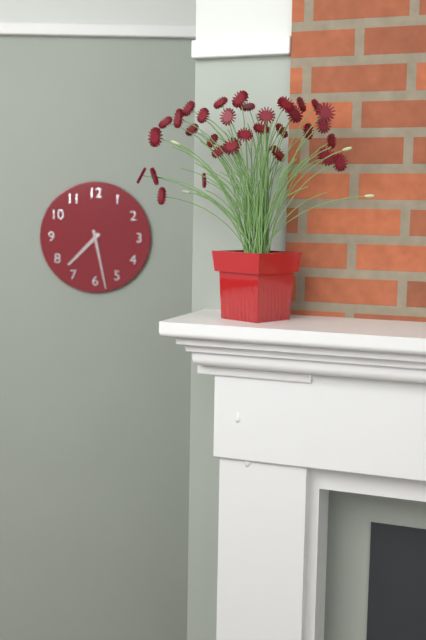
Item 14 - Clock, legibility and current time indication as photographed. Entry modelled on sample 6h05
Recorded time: 7h28
